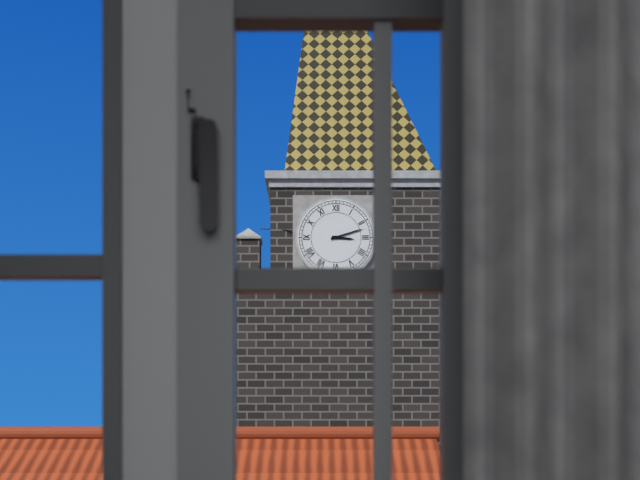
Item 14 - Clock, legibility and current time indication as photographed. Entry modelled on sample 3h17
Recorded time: 3h12
